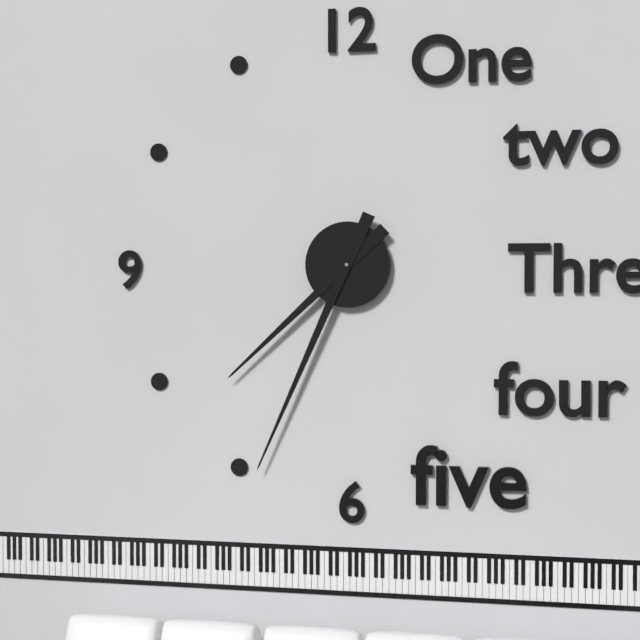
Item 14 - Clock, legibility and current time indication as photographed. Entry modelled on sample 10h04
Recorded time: 7h34
